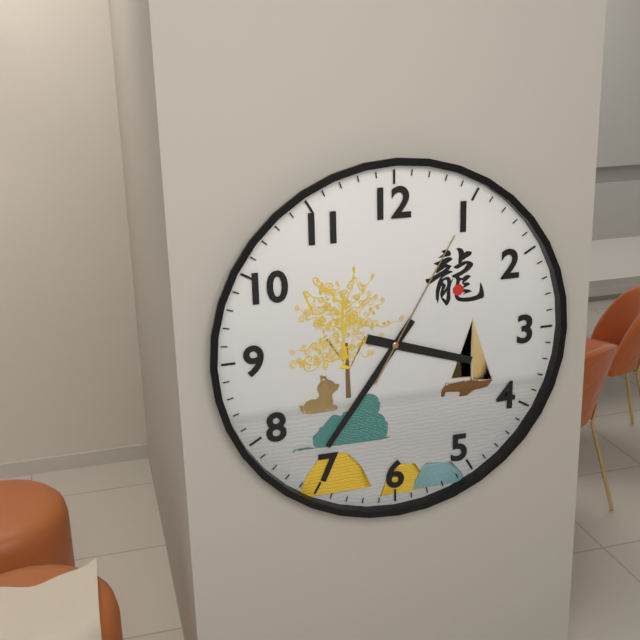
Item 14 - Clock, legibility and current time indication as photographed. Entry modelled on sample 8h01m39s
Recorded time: 3h36m05s
